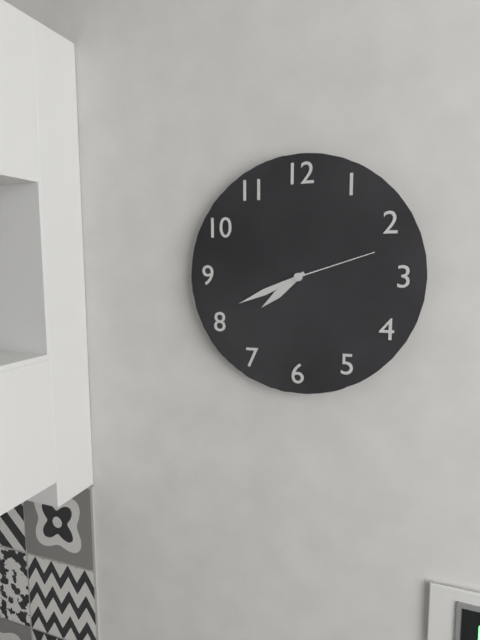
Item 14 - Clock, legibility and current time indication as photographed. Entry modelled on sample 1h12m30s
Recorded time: 7h41m12s
